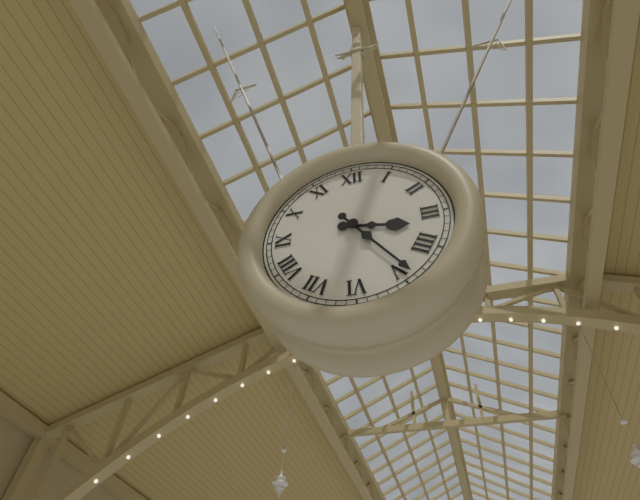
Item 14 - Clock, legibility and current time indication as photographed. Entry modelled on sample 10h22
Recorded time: 3h24
